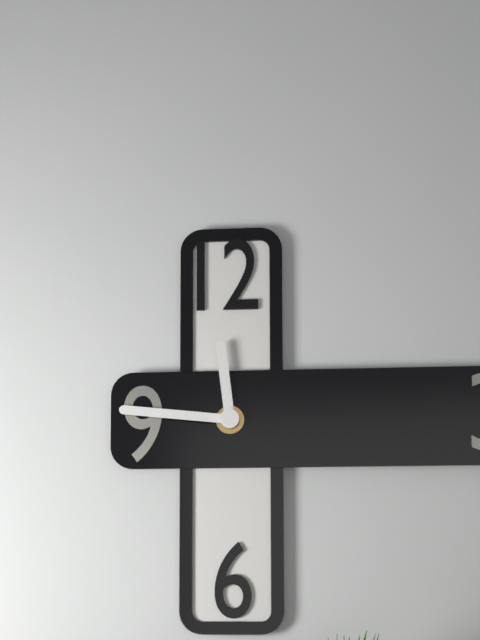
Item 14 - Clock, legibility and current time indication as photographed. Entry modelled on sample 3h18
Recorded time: 11h46
